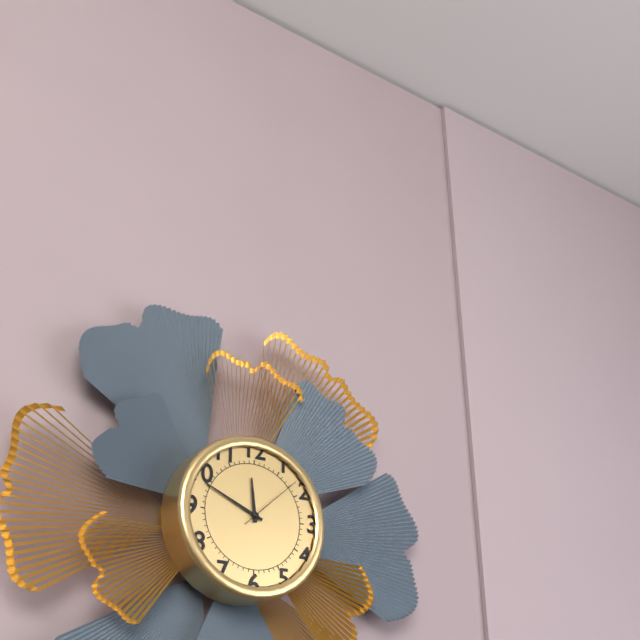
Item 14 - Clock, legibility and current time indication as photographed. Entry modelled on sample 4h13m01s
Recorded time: 11h49m08s
